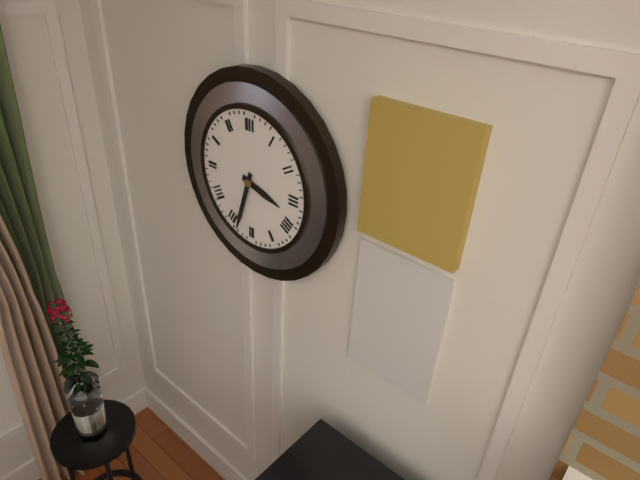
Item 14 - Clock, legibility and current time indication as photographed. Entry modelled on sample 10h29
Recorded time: 3h33
